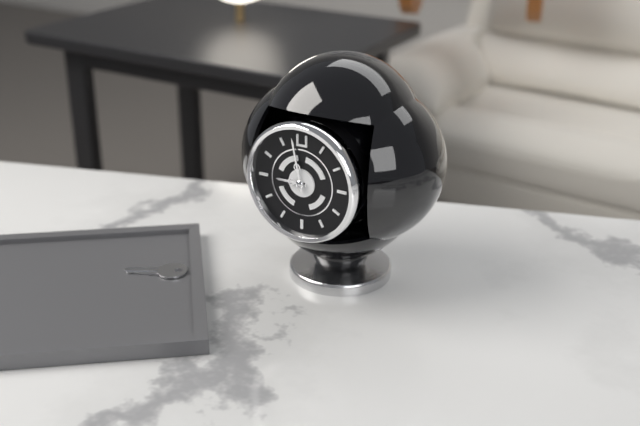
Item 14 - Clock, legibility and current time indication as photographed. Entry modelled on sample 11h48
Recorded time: 8h58
